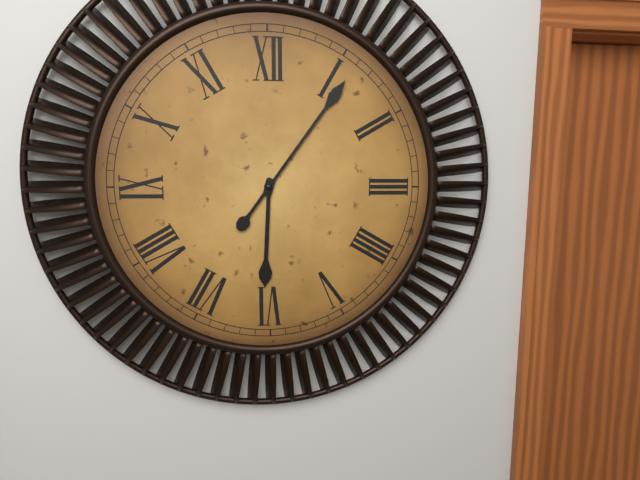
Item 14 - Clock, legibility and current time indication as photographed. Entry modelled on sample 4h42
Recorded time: 6h06
